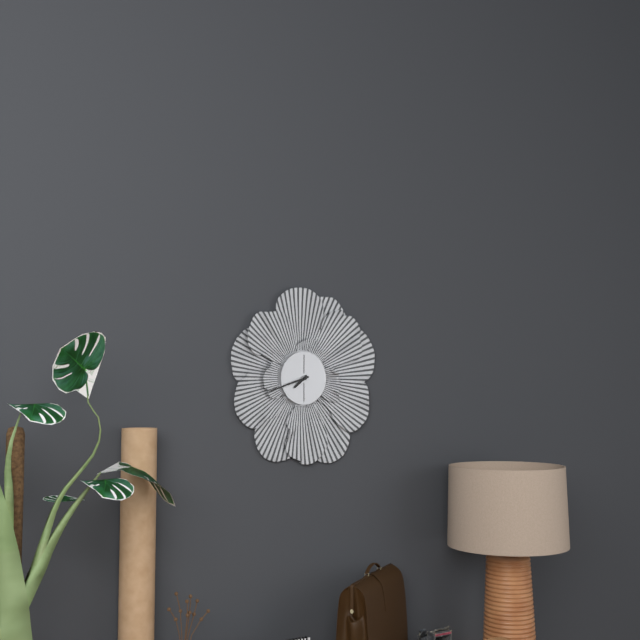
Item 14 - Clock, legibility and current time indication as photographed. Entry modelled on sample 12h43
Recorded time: 7h42
